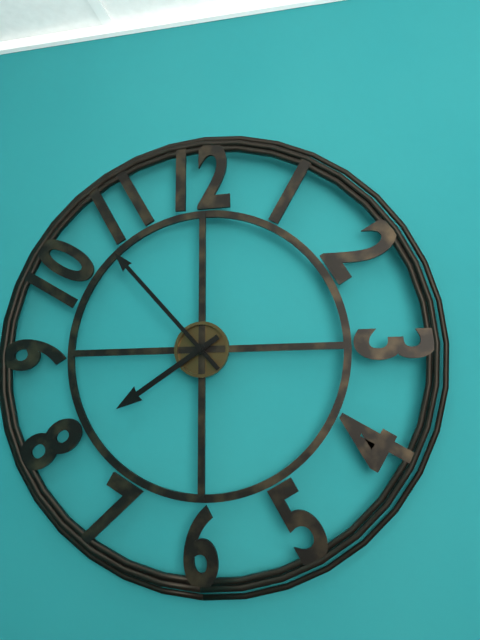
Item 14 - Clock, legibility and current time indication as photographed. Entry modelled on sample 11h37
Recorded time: 7h53
